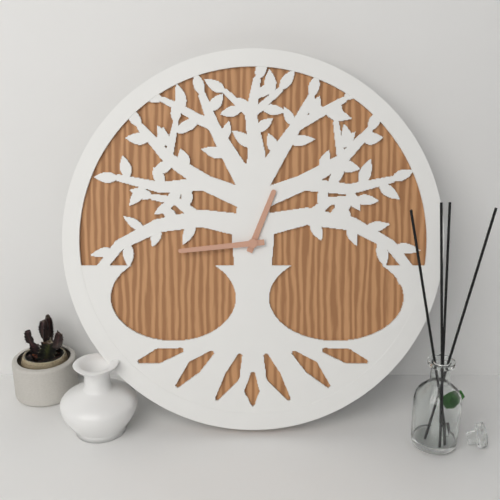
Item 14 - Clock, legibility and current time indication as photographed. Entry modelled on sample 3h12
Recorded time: 12h44
